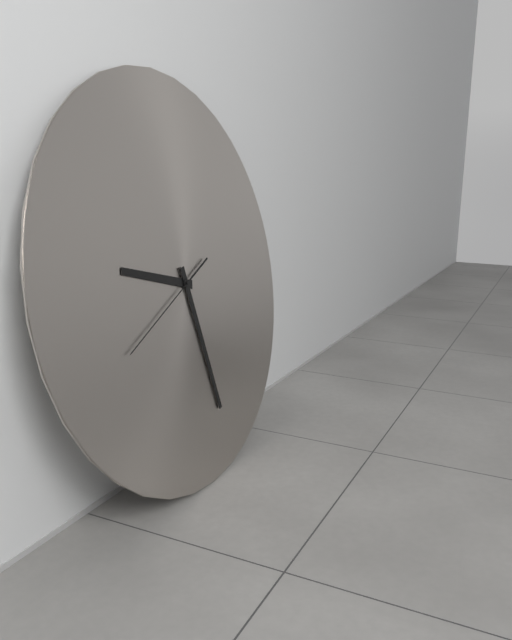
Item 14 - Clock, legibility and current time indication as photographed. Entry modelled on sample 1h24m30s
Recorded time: 9h28m41s
